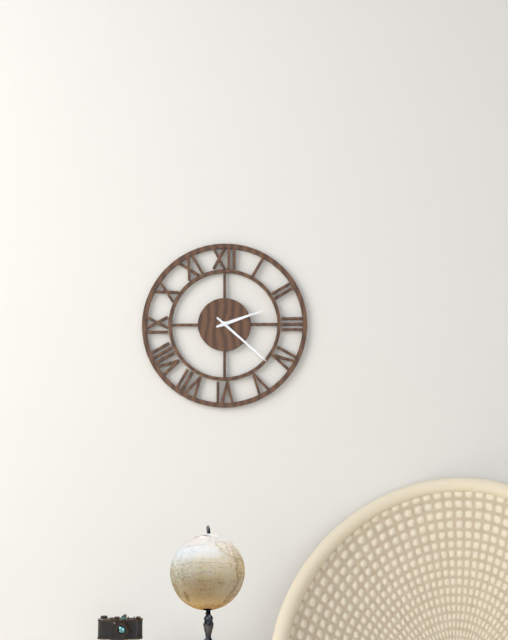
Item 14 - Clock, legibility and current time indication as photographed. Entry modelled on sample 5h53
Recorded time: 2h22
